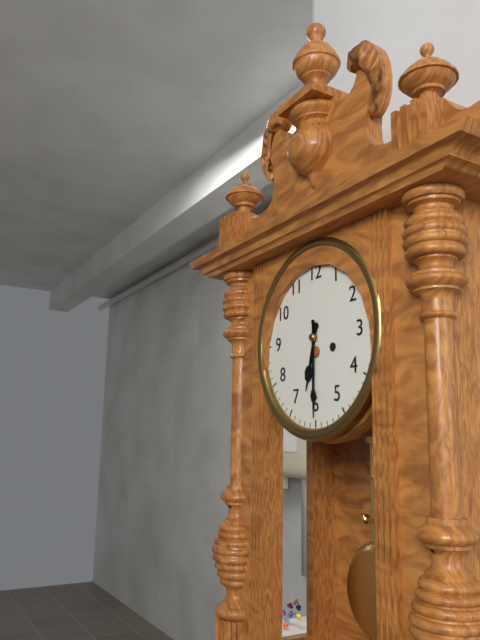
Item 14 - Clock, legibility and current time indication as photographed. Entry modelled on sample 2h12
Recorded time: 6h30
